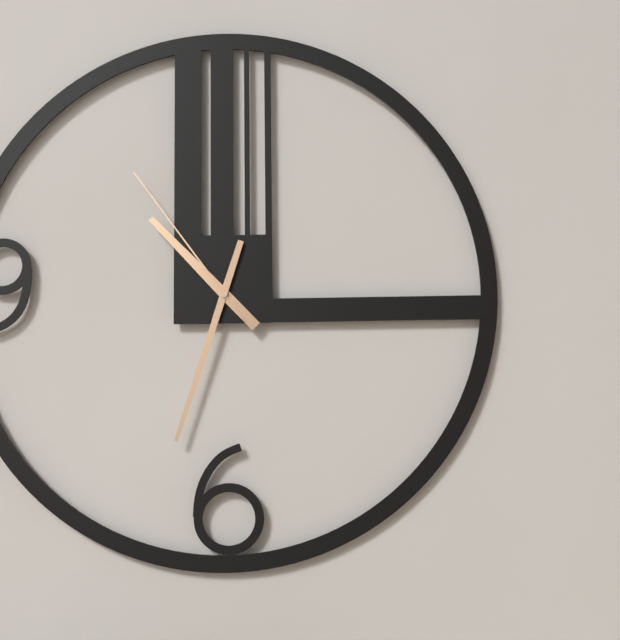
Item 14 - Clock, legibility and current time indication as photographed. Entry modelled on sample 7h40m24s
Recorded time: 10h33m54s
